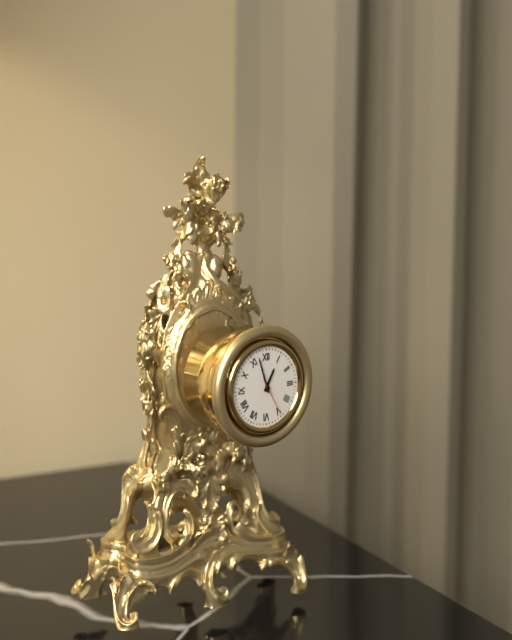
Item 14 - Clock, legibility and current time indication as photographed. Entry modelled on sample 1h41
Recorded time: 12h57
